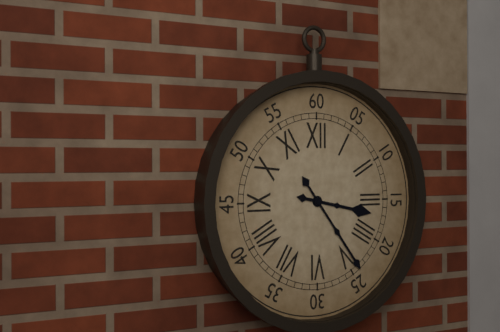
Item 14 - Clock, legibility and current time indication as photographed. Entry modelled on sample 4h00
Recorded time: 3h24
